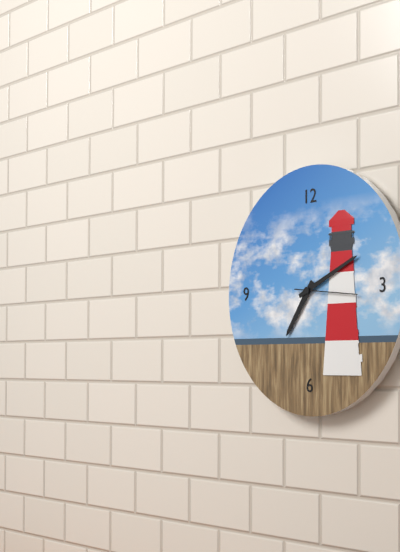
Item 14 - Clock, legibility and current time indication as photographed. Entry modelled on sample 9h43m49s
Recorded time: 7h11m16s
